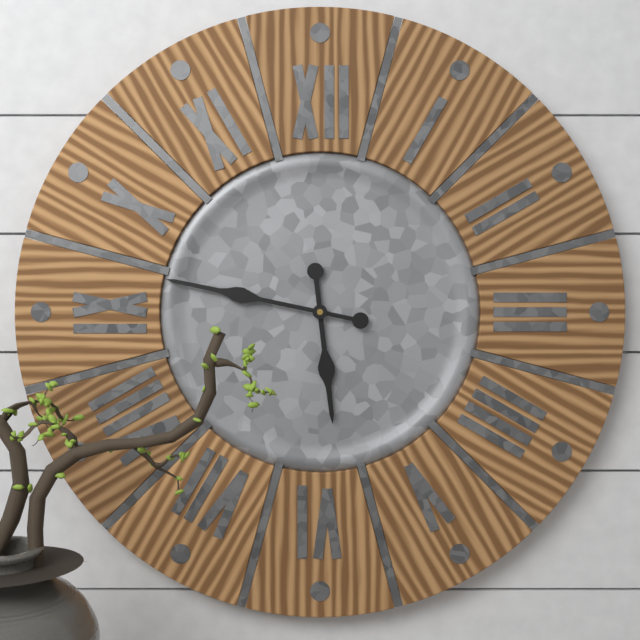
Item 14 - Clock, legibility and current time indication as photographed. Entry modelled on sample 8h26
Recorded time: 5h47
